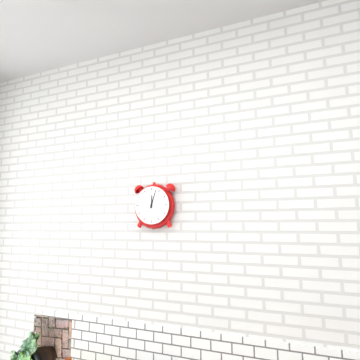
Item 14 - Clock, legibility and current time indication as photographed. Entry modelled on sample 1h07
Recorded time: 12h03
